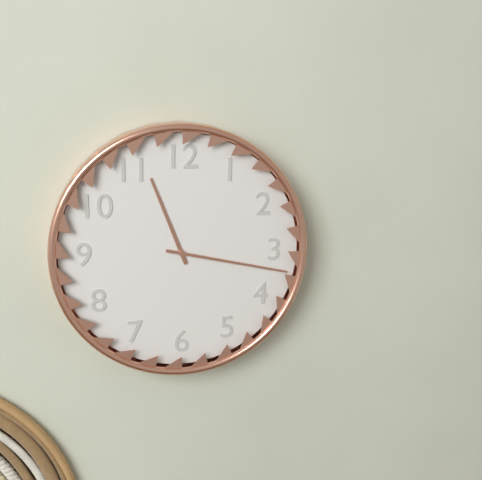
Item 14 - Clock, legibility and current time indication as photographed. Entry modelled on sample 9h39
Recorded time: 11h17
